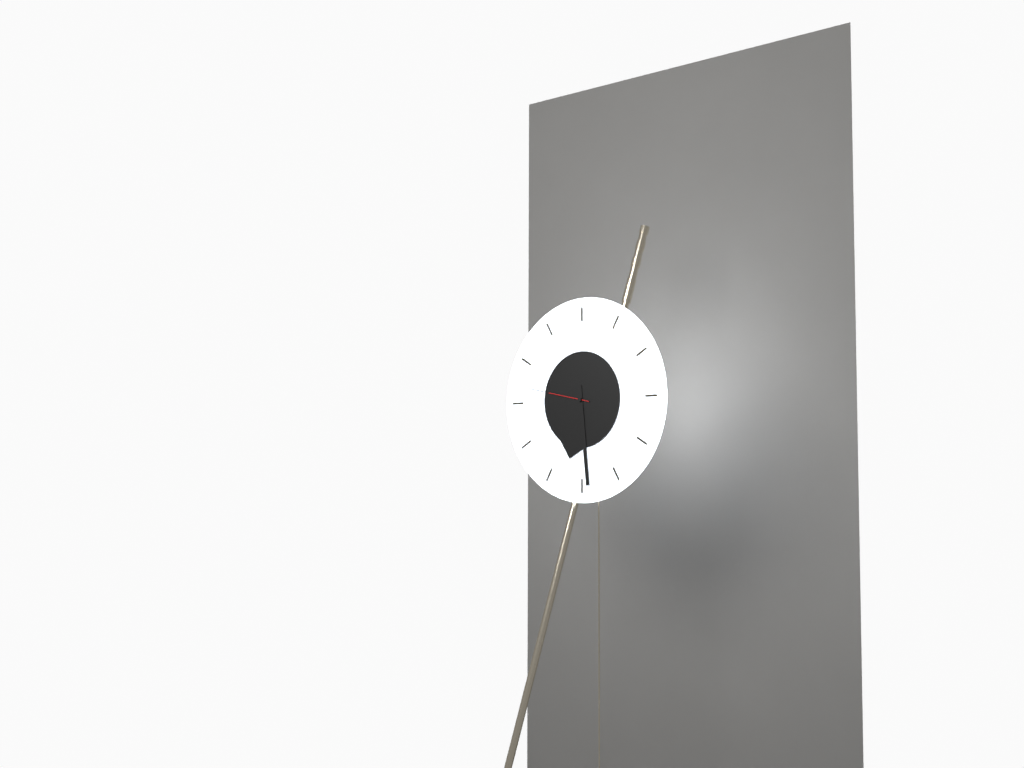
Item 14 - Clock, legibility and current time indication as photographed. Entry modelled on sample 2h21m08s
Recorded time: 6h29m47s
